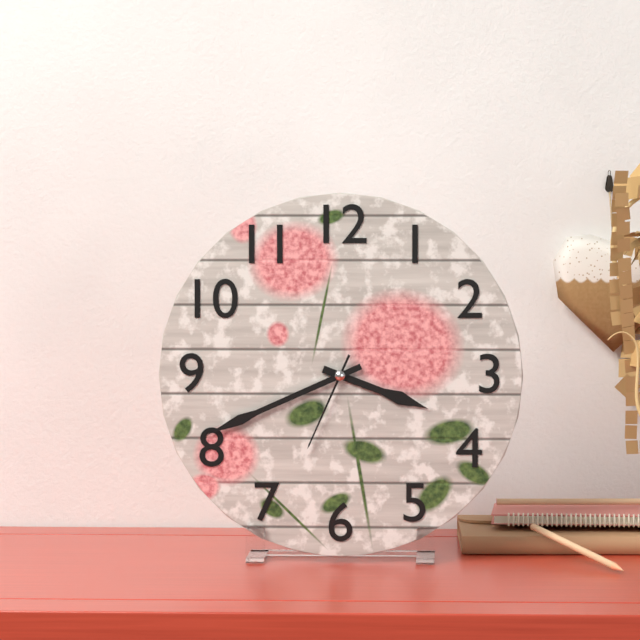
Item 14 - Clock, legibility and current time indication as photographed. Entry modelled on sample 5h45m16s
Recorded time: 3h41m34s
